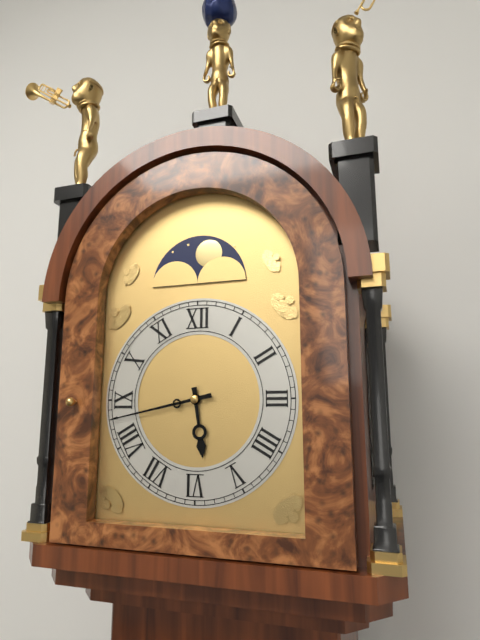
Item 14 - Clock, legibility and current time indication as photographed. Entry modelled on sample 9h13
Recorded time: 5h43
